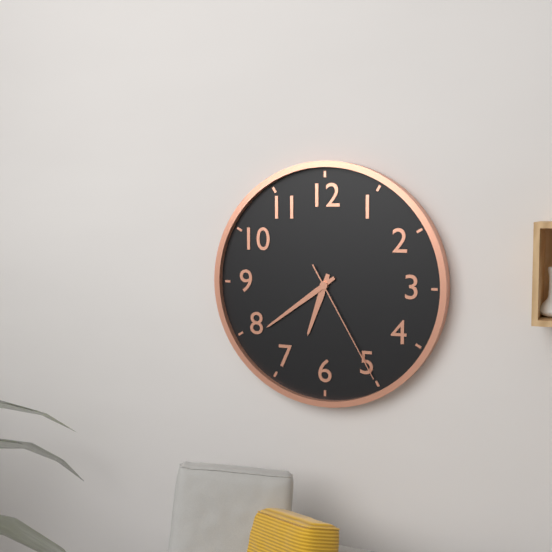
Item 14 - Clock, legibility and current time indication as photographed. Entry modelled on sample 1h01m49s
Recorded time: 6h39m25s
